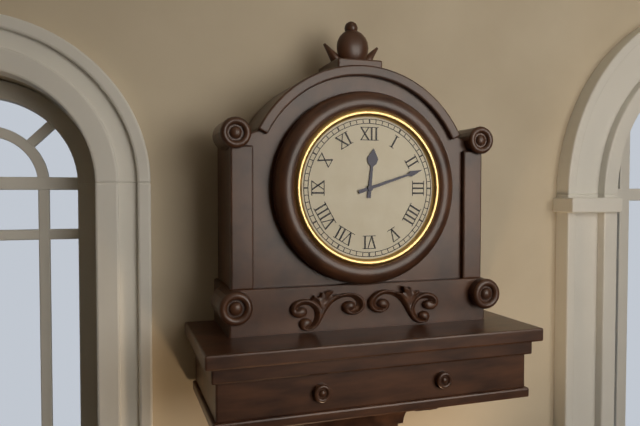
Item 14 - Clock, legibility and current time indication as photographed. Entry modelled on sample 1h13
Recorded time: 12h12
